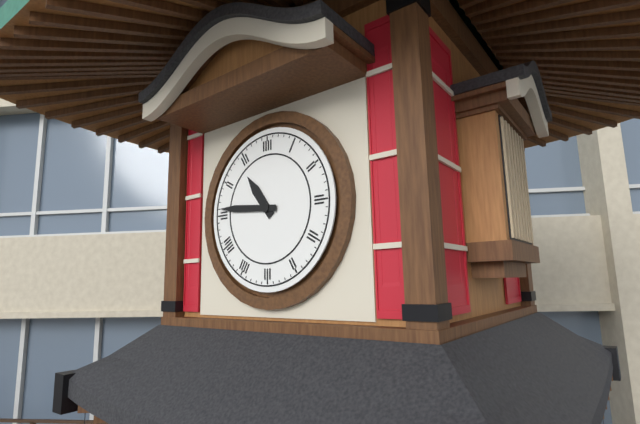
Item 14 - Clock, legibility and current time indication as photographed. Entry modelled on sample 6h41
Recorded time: 10h46
